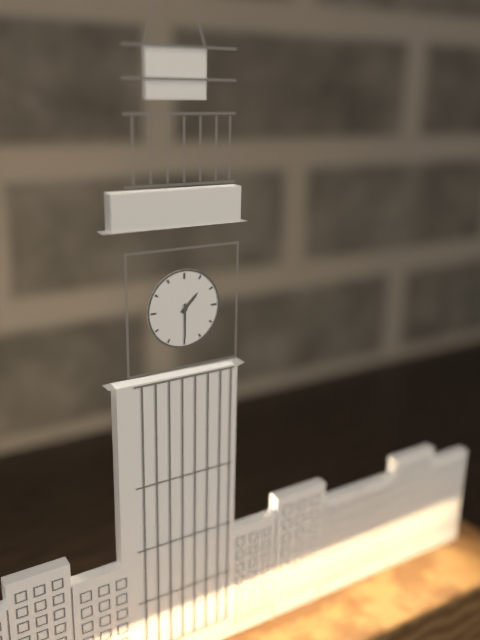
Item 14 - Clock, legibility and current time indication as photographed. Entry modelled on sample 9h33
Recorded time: 1h30
